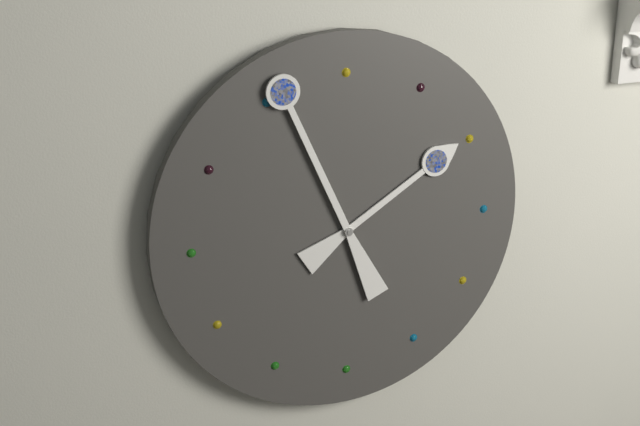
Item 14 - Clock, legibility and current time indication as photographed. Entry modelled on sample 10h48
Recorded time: 1h56
